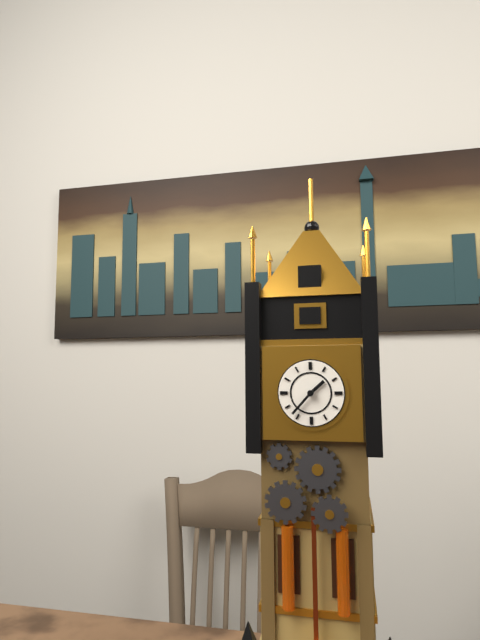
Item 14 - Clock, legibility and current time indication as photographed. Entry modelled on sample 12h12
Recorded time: 1h37
